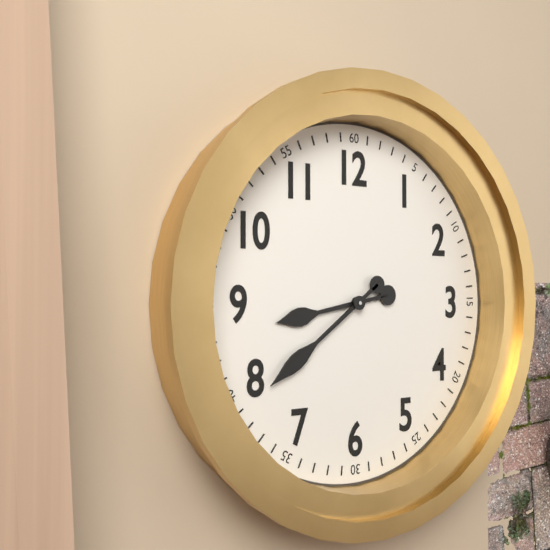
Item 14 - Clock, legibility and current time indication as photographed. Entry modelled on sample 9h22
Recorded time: 8h39
